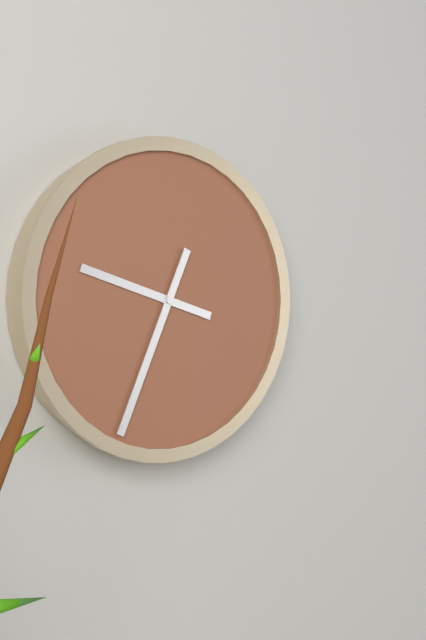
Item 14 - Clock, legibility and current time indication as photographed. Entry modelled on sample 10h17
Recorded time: 9h34
